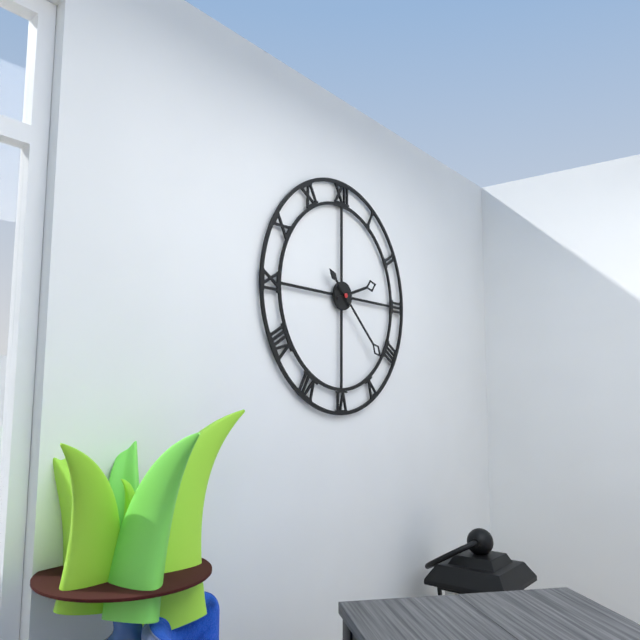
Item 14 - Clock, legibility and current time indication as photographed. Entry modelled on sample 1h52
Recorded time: 2h22
